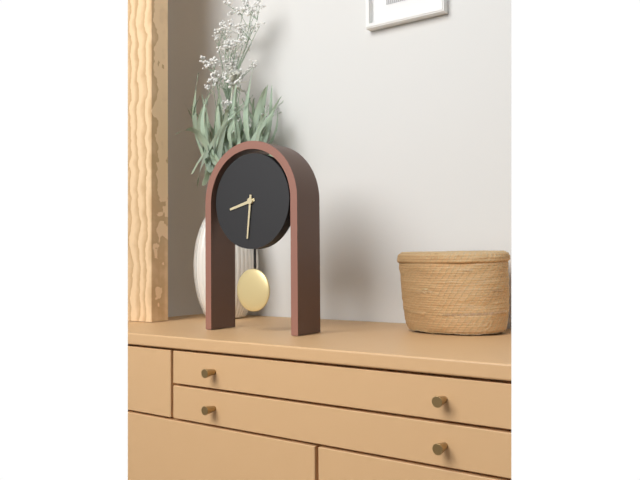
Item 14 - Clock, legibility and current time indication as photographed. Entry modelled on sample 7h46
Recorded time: 8h31
